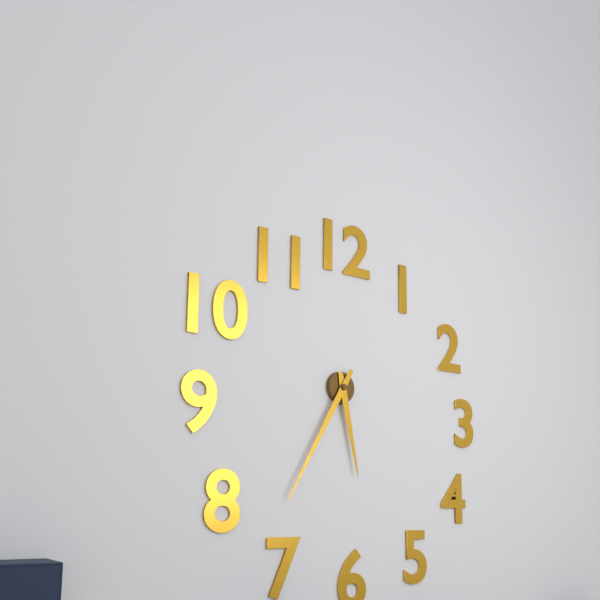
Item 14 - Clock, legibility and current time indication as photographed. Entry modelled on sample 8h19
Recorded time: 5h35
